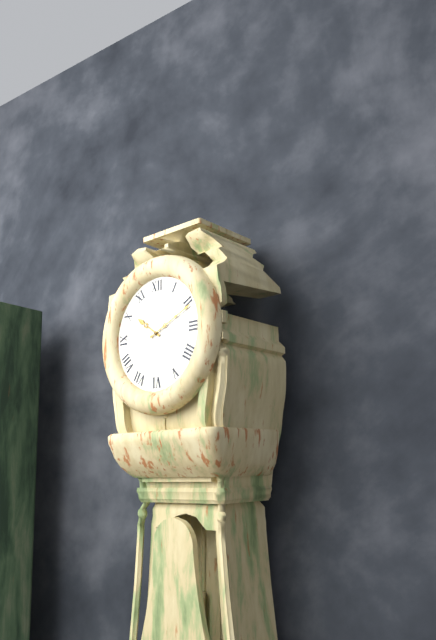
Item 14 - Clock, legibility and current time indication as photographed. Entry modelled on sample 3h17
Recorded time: 10h11
